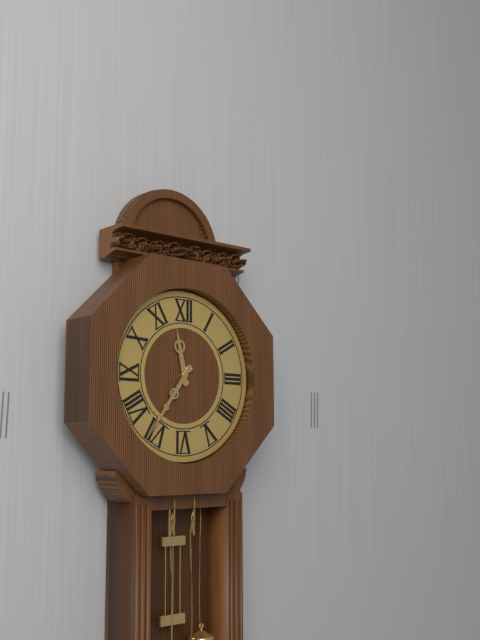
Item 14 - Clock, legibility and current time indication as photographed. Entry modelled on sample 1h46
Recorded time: 11h36
